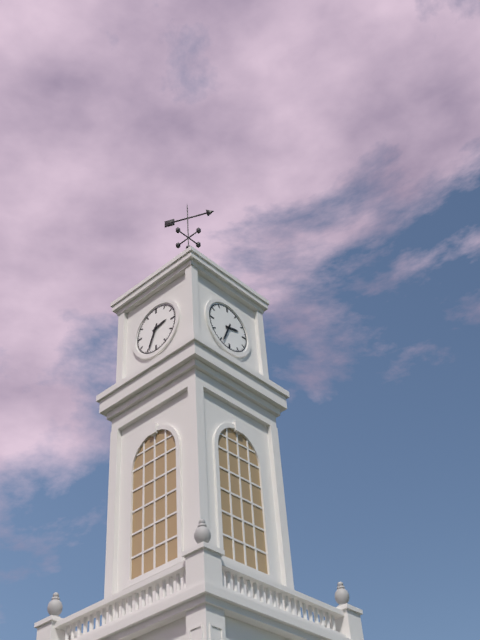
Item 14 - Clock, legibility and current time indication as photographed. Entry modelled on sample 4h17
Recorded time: 2h34
